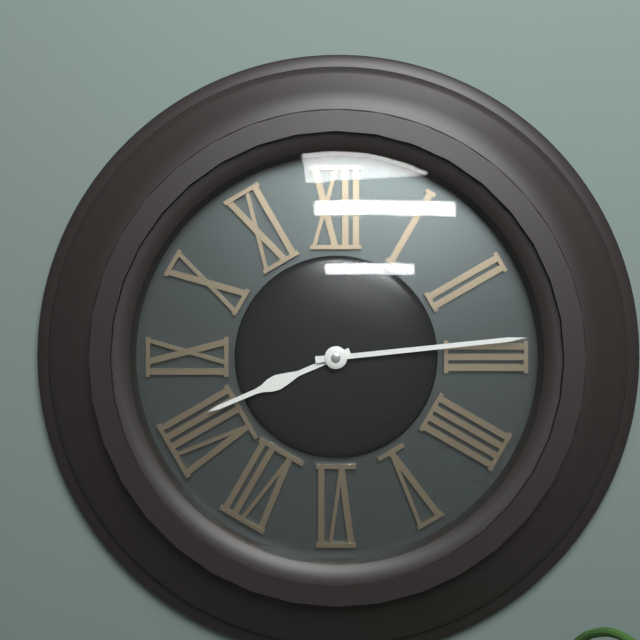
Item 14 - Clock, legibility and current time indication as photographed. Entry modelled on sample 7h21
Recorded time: 8h14
